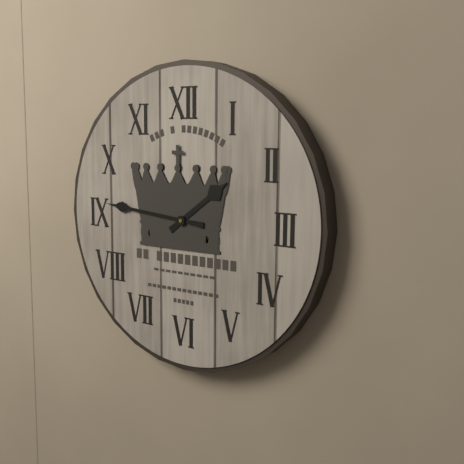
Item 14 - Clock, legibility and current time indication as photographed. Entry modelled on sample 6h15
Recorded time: 1h46
